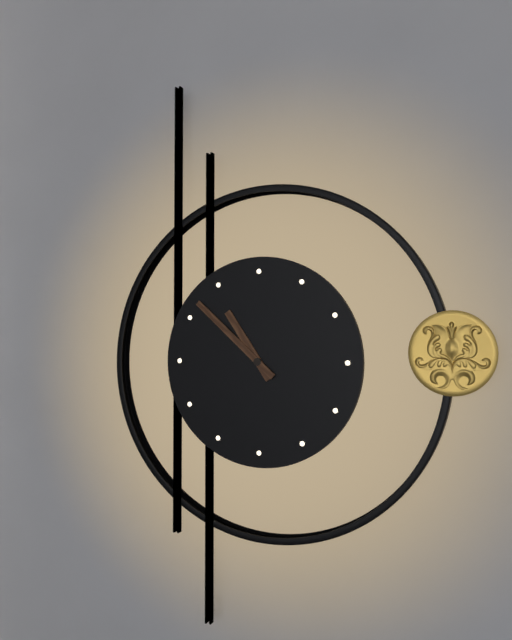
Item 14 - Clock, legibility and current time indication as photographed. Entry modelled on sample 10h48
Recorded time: 10h52
